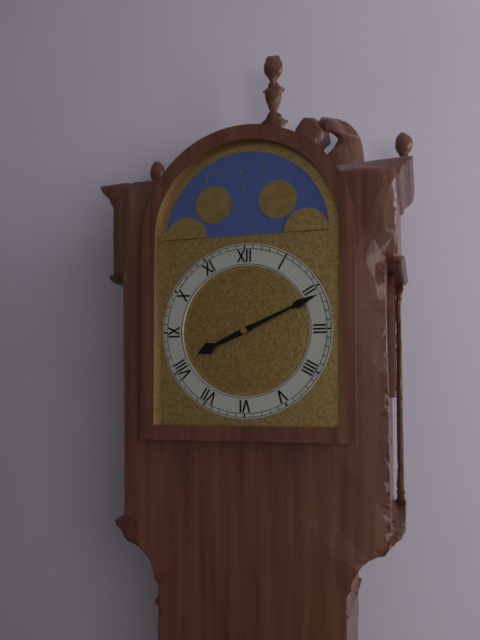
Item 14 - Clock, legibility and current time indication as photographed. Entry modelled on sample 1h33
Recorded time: 8h11
